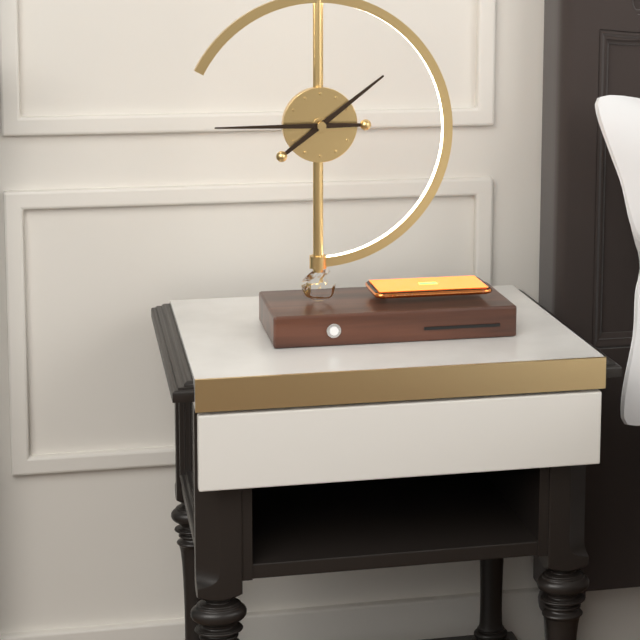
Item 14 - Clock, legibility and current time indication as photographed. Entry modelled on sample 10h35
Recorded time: 1h45
